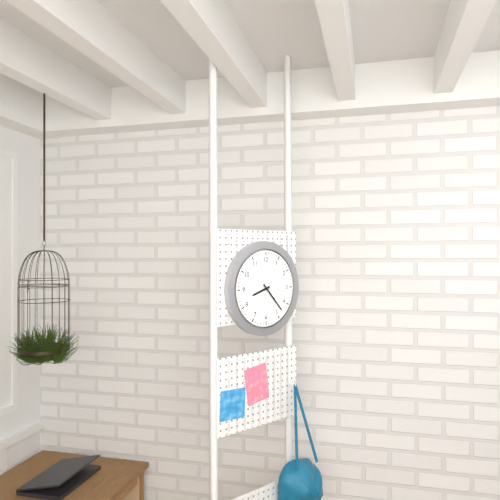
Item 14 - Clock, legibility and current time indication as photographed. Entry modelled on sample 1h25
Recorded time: 8h23
